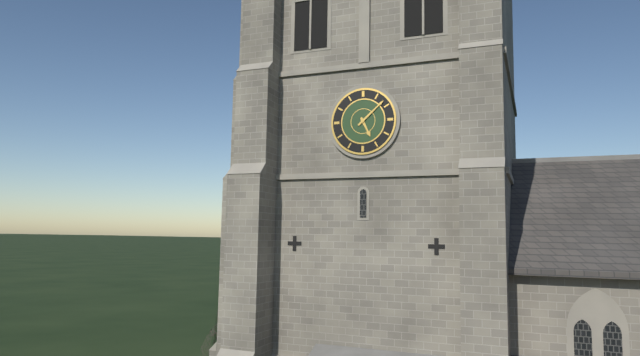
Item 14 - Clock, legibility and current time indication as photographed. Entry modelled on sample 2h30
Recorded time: 5h08
